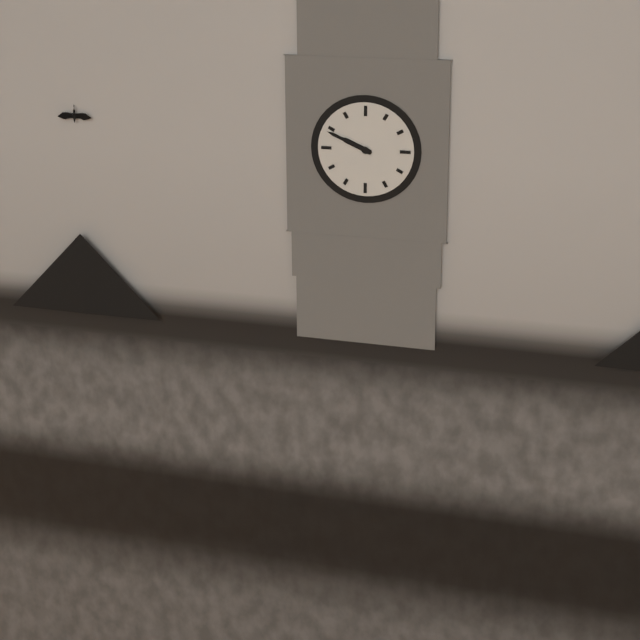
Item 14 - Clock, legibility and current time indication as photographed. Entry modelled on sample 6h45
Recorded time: 9h49
